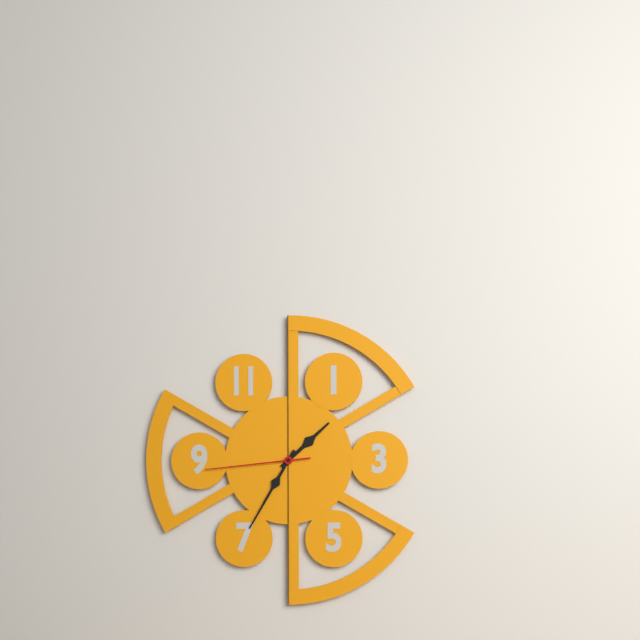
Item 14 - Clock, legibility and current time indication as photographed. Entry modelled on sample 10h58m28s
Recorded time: 1h35m44s
